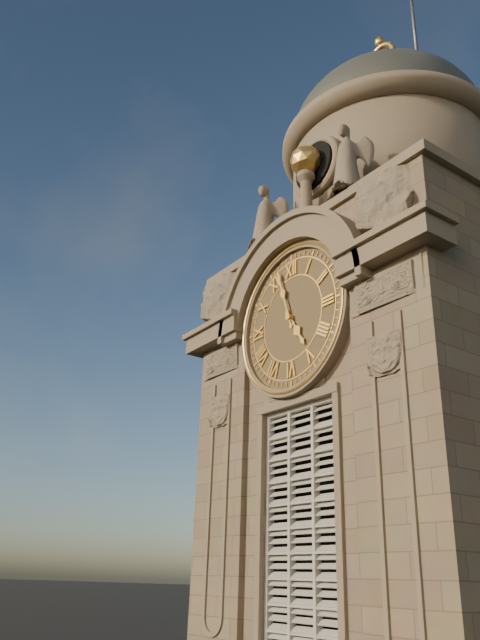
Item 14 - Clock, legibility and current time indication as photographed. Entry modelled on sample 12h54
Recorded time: 4h57
